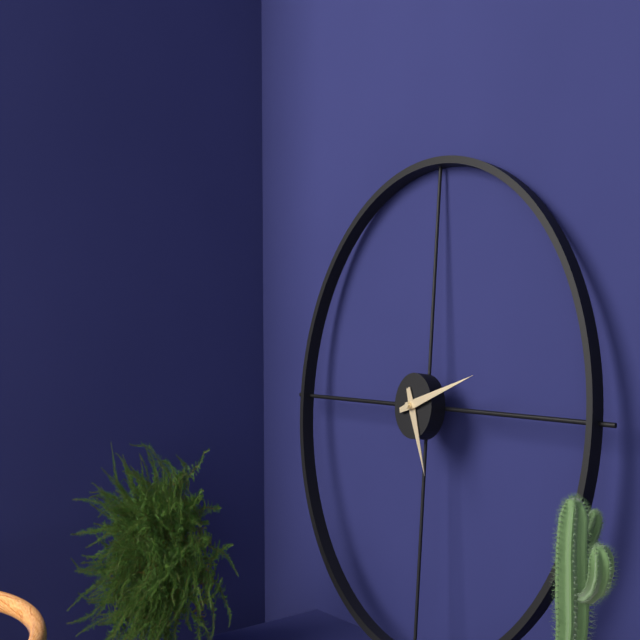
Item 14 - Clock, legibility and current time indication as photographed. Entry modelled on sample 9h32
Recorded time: 5h12
